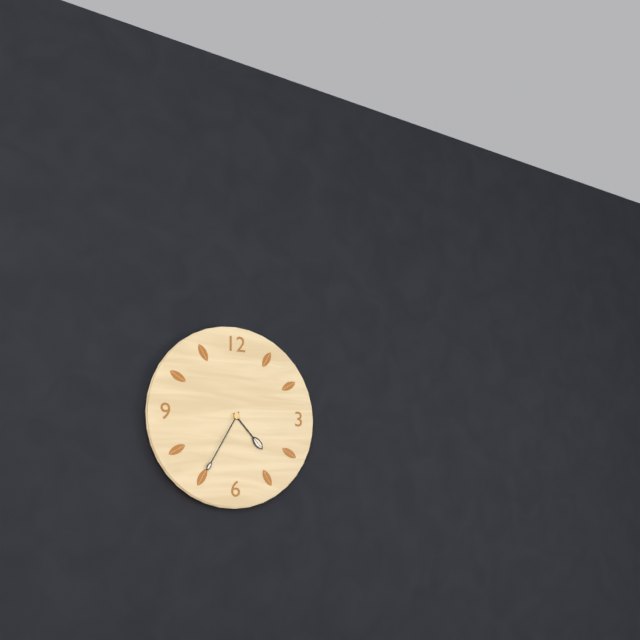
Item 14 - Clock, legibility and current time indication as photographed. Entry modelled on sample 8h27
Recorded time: 4h35
